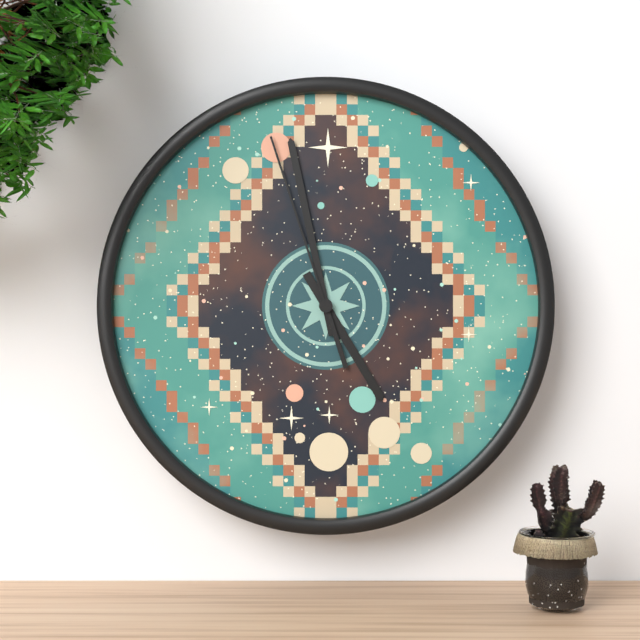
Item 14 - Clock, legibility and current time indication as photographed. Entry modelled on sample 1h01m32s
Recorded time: 4h58m57s
